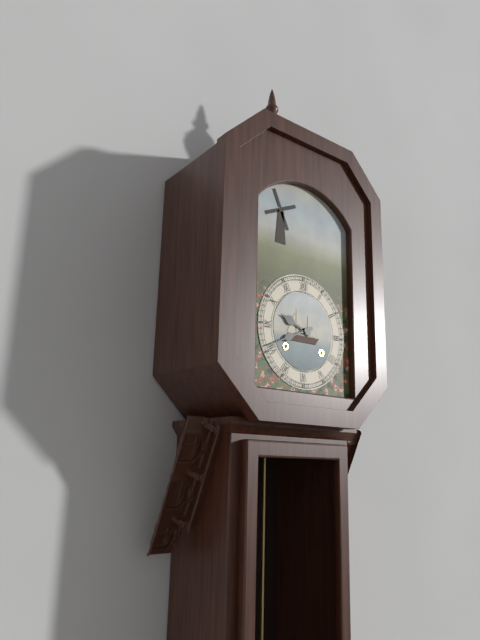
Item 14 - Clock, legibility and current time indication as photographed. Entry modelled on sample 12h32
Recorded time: 9h41
